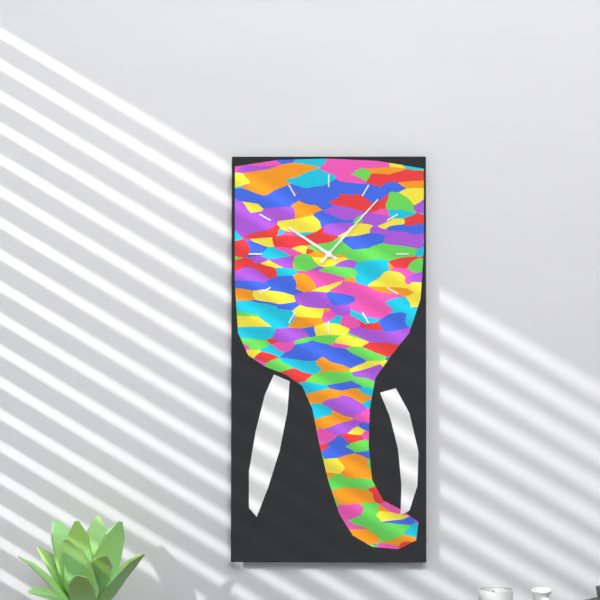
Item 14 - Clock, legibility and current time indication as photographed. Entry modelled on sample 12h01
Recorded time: 10h07
